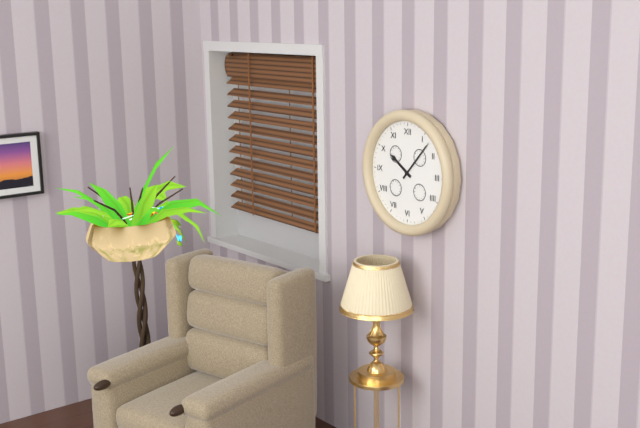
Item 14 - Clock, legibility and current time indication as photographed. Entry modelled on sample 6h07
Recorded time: 10h07
